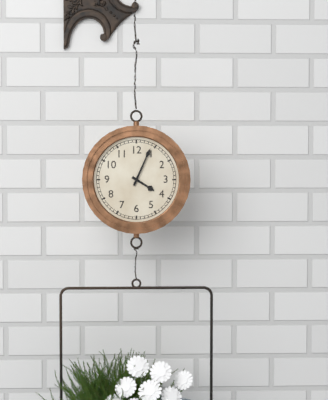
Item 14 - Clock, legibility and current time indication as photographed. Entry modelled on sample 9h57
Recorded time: 4h04
